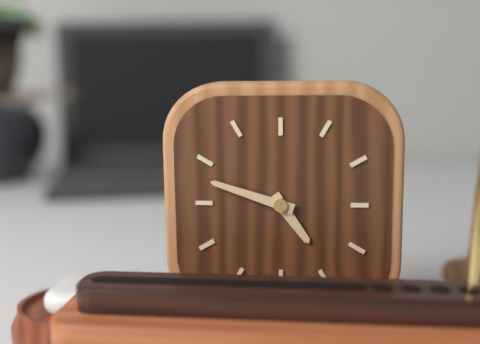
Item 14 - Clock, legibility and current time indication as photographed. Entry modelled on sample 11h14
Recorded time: 4h48
